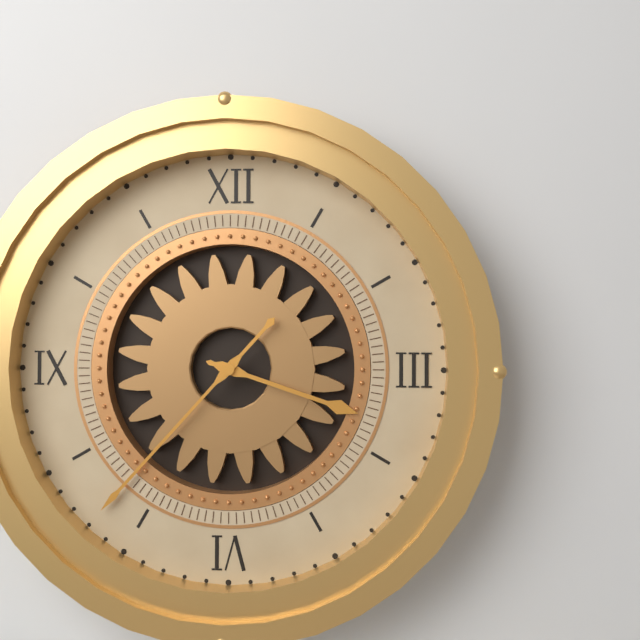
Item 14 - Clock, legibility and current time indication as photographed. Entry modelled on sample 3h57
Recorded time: 3h37
